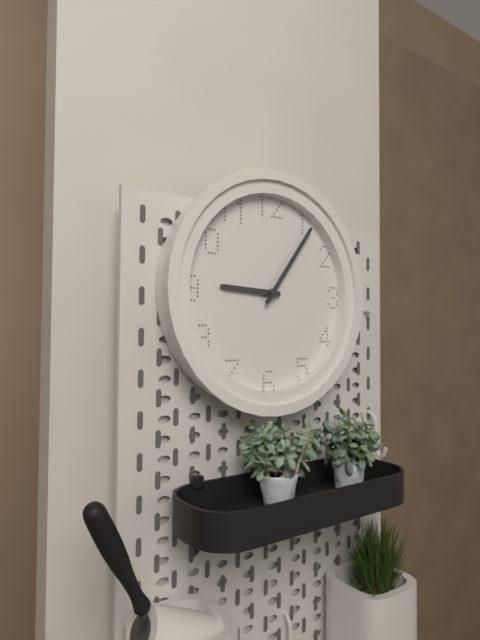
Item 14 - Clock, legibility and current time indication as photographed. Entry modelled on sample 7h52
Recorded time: 9h06
